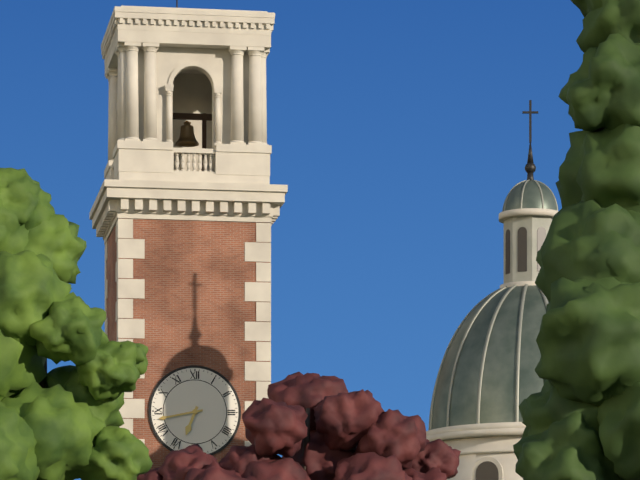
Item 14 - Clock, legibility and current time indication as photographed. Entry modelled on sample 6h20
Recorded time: 6h43
